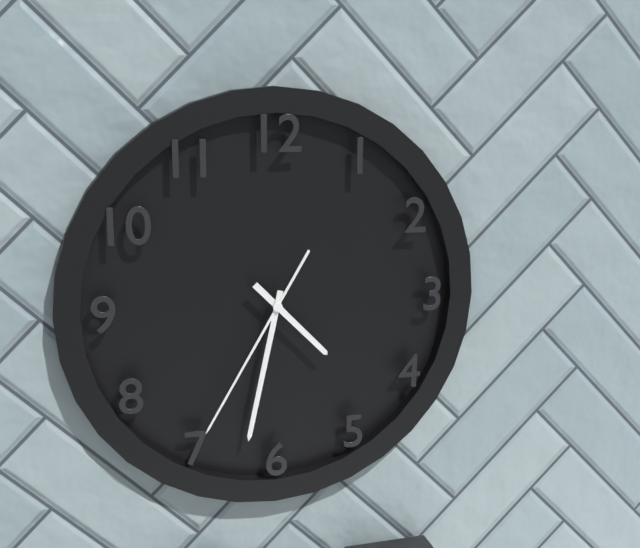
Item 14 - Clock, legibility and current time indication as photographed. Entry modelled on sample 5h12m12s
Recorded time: 4h32m35s
